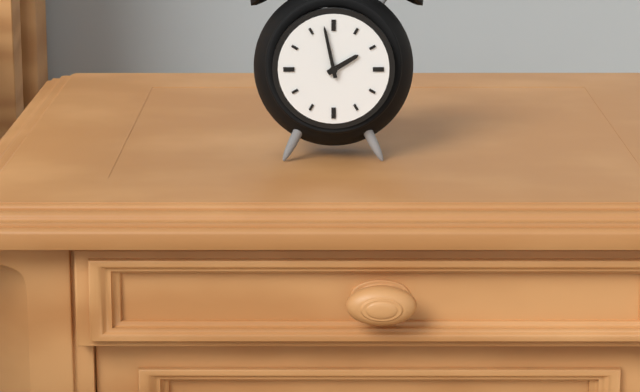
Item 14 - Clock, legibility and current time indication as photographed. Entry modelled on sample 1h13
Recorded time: 1h58
